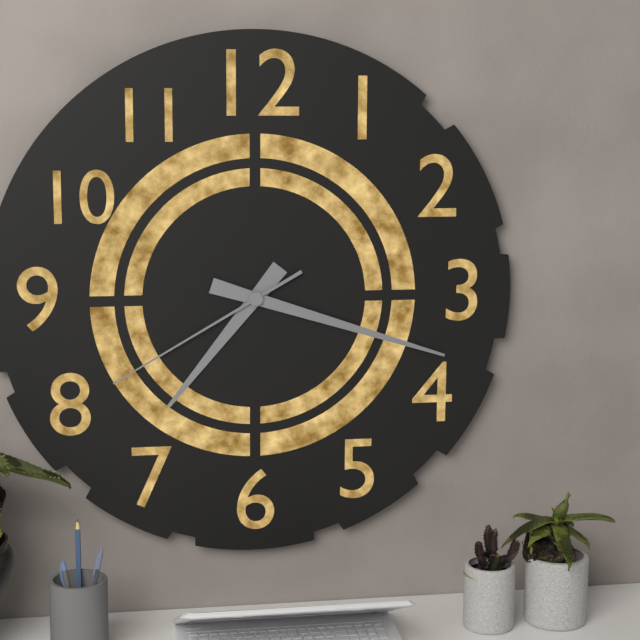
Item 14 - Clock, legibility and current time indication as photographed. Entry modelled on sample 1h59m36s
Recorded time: 7h18m40s
